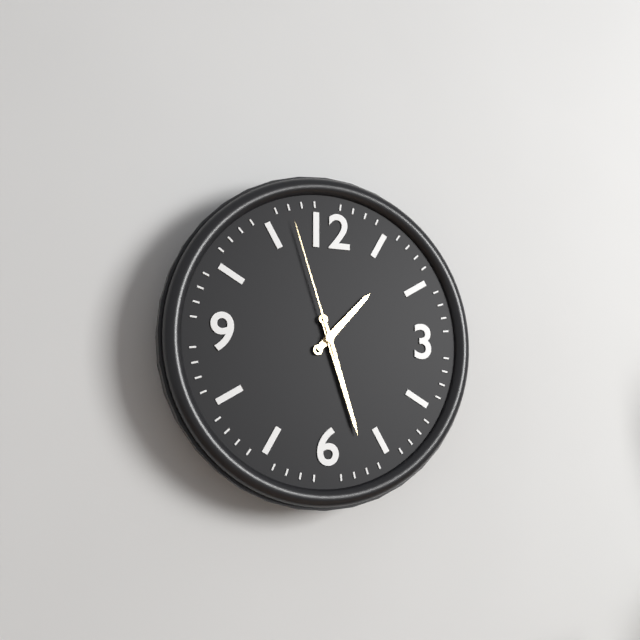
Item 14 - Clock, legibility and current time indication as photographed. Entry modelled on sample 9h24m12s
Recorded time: 1h27m57s
